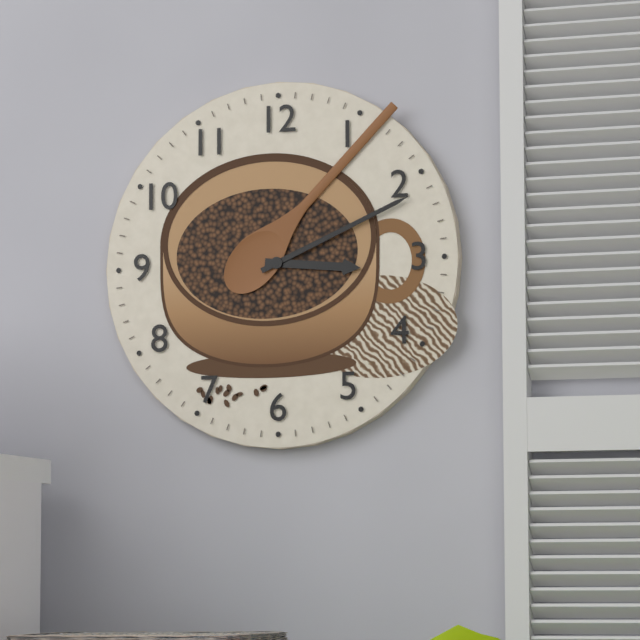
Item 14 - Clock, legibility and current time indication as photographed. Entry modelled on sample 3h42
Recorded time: 3h11
